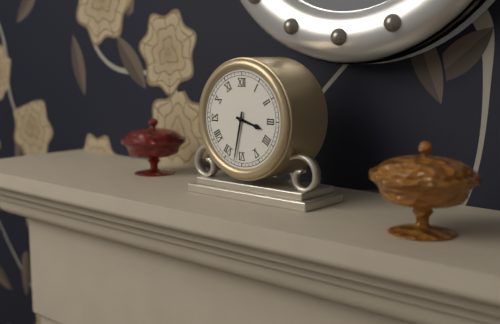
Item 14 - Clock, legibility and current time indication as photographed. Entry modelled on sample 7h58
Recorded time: 3h32
